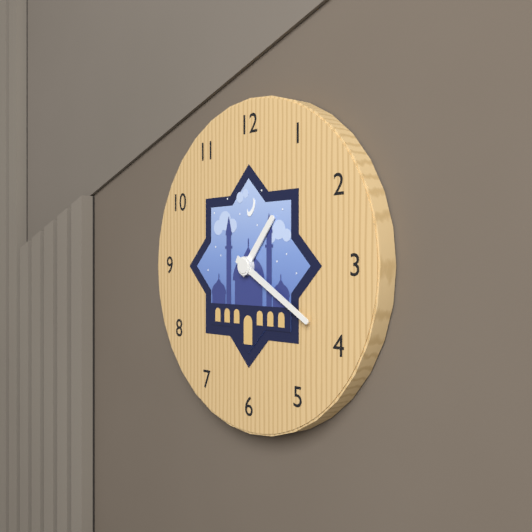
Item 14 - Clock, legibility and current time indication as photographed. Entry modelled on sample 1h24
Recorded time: 1h20
